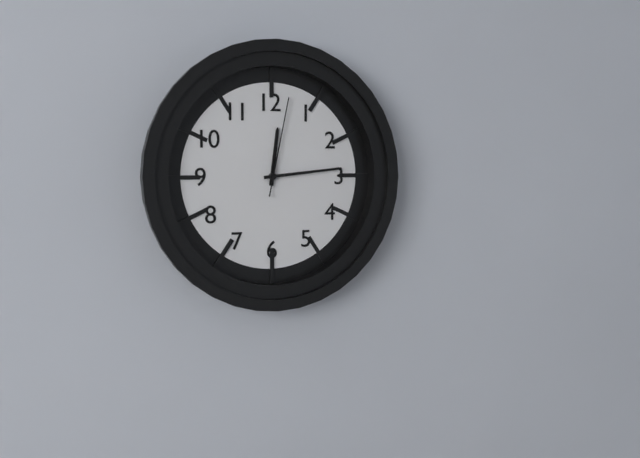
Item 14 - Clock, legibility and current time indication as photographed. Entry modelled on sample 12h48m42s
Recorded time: 12h14m02s
